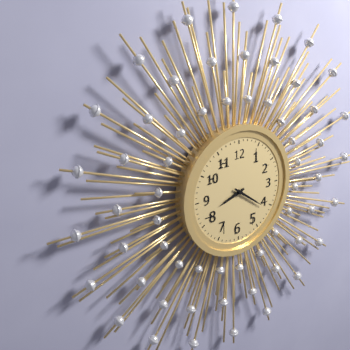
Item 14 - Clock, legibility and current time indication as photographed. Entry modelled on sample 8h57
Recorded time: 8h21
